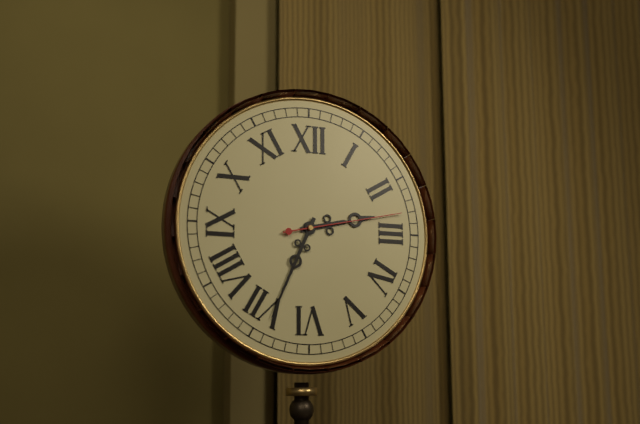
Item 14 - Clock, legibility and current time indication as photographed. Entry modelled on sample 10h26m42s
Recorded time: 2h34m13s
